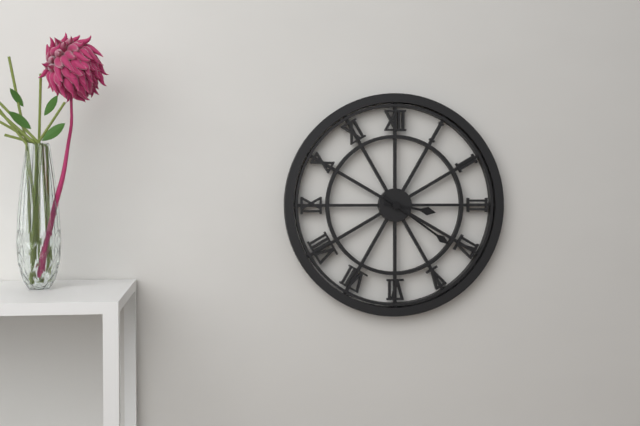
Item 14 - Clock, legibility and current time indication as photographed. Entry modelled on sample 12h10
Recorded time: 3h21
